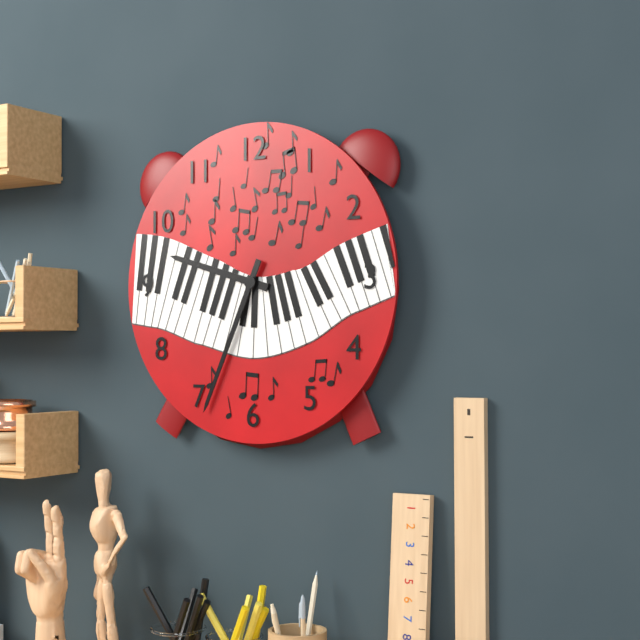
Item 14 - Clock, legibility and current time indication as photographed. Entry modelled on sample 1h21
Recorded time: 9h34
